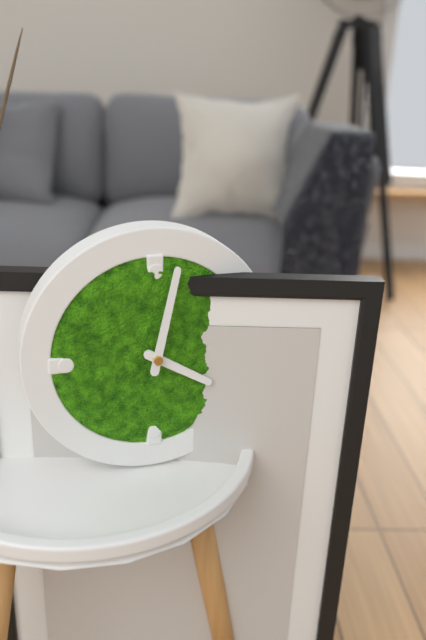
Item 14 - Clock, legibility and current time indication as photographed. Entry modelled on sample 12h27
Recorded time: 4h02
